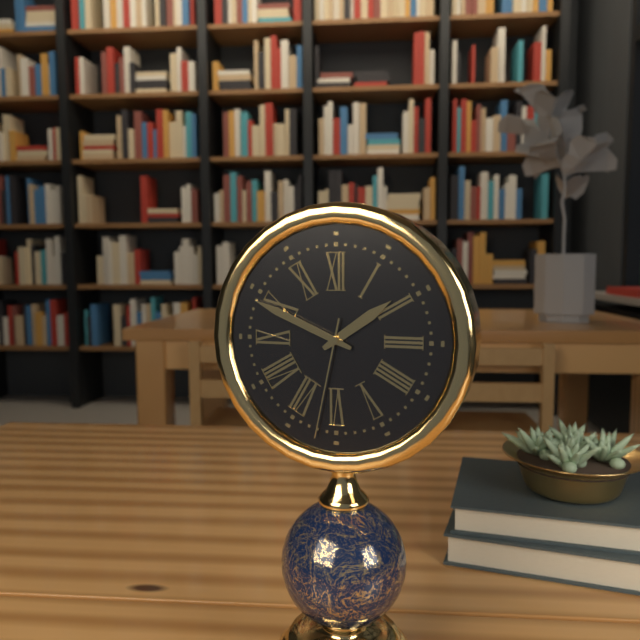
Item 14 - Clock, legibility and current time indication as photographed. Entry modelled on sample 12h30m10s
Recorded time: 1h49m32s
